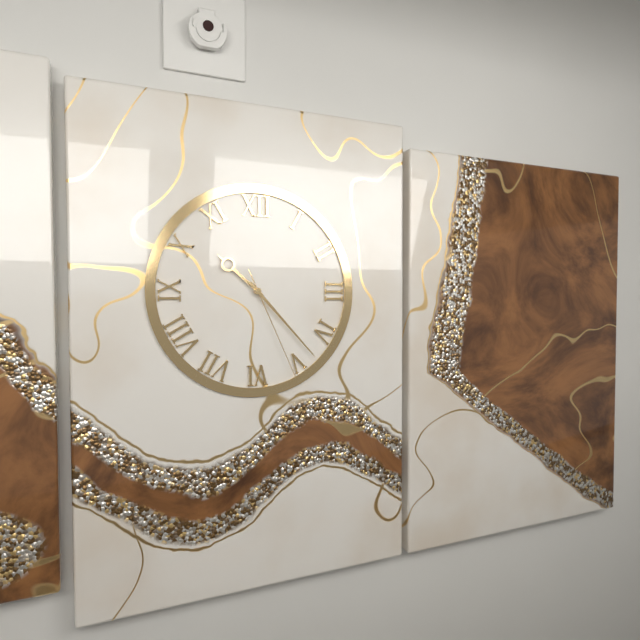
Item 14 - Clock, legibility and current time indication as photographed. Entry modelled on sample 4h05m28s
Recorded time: 10h23m26s
